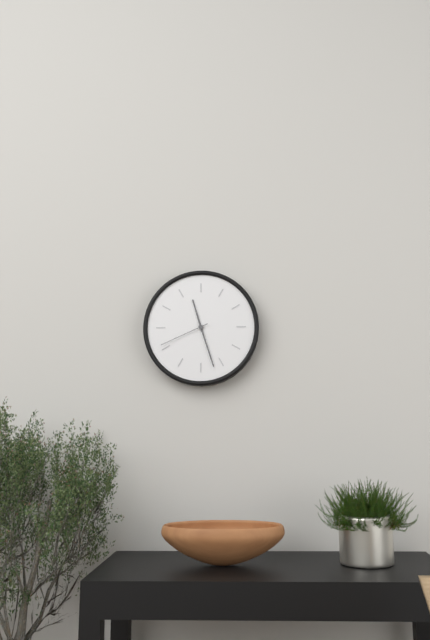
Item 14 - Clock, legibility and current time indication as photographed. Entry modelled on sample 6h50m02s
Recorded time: 11h27m41s
